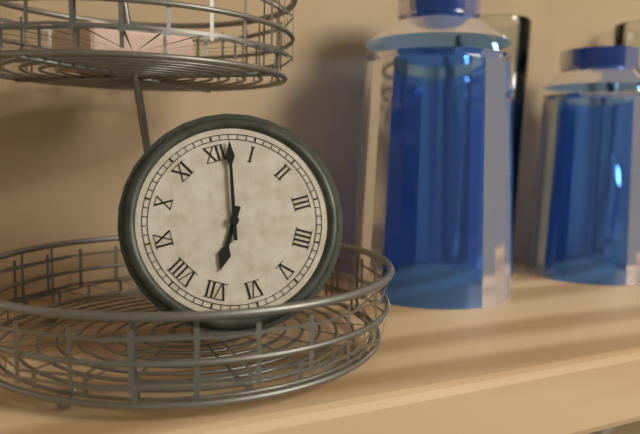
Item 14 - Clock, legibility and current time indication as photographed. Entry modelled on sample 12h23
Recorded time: 7h02
